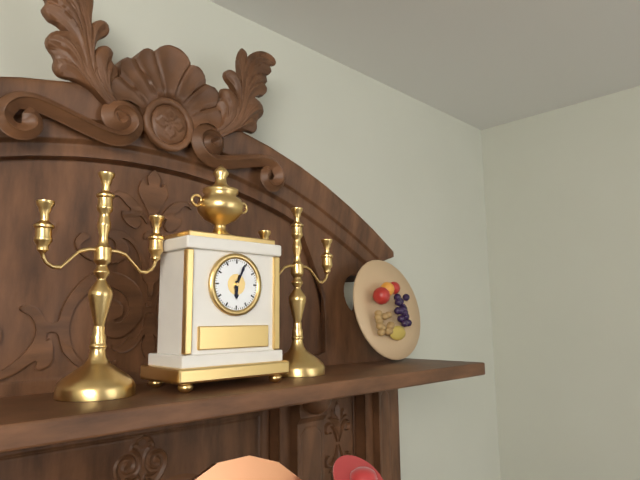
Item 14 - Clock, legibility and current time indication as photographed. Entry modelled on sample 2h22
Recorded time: 6h04
